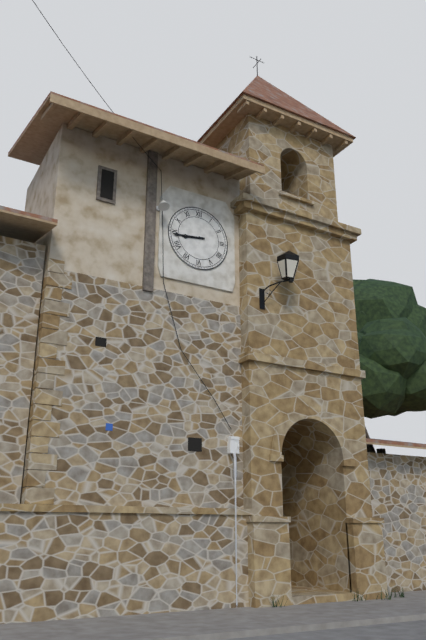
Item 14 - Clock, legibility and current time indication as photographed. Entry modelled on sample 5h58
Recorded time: 8h44
